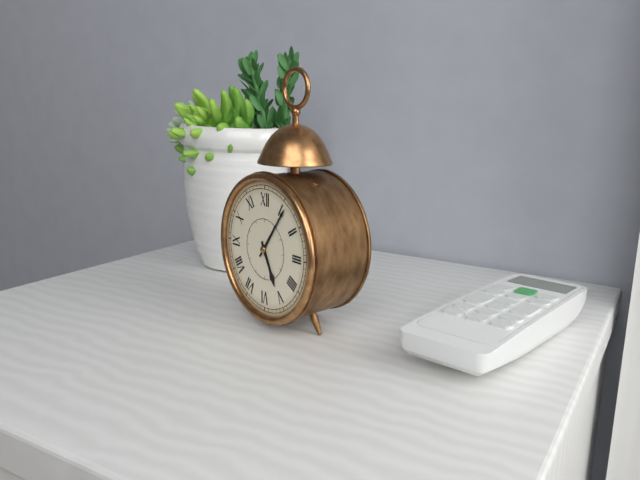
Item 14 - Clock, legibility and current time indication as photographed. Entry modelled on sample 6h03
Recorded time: 5h06
